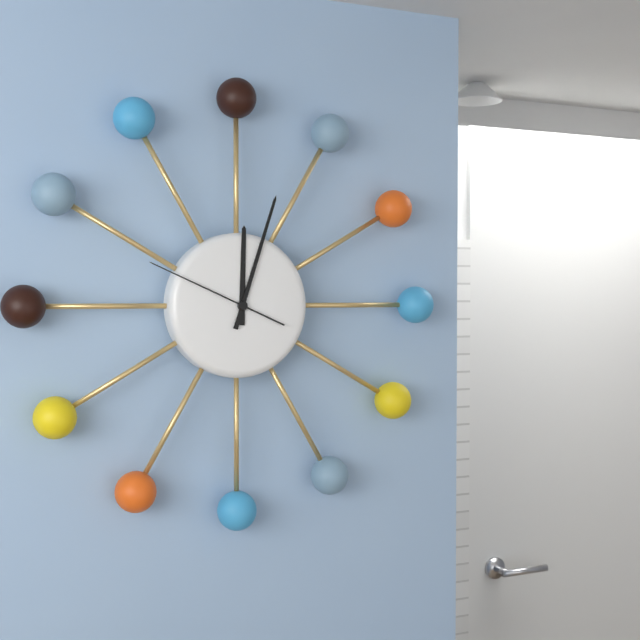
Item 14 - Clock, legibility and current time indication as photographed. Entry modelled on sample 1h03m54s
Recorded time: 12h03m49s
